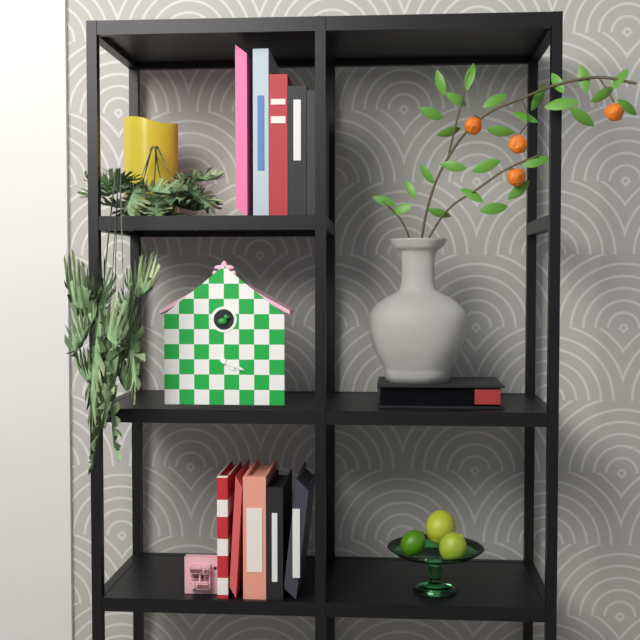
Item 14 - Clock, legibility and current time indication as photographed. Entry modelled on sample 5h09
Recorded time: 4h19
